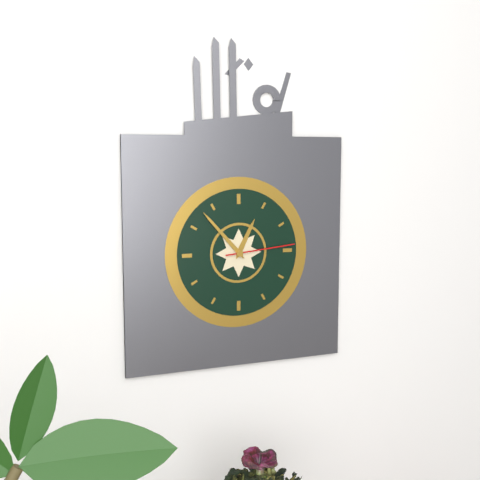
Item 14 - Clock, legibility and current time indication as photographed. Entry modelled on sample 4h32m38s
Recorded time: 12h53m14s
